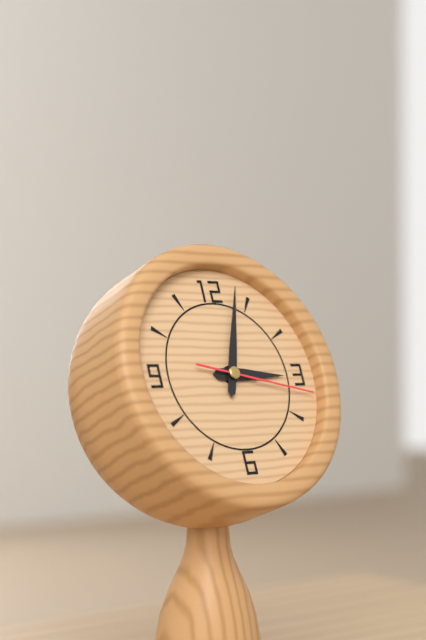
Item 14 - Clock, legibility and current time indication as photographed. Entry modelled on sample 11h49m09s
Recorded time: 3h03m17s
